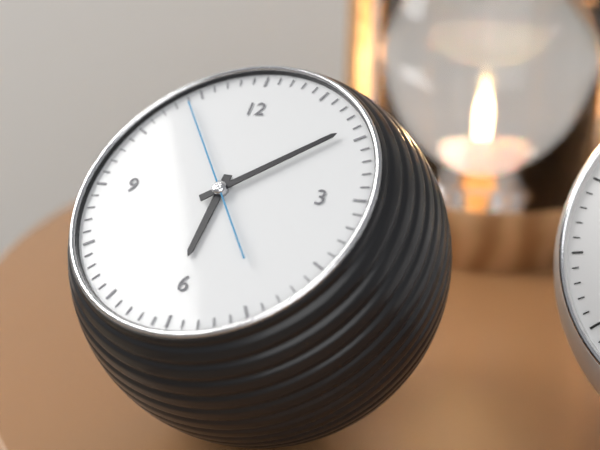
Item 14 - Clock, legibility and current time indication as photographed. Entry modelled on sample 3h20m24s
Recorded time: 6h09m54s
